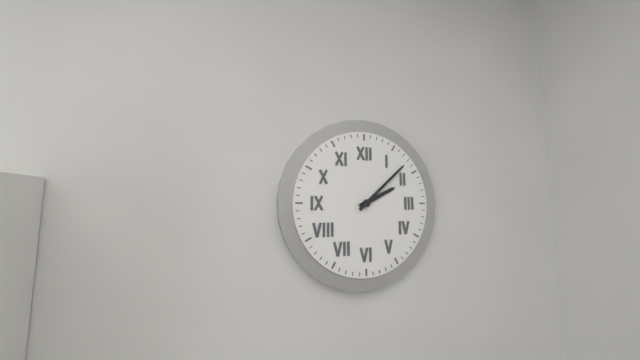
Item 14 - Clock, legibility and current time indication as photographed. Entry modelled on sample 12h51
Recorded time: 2h08
